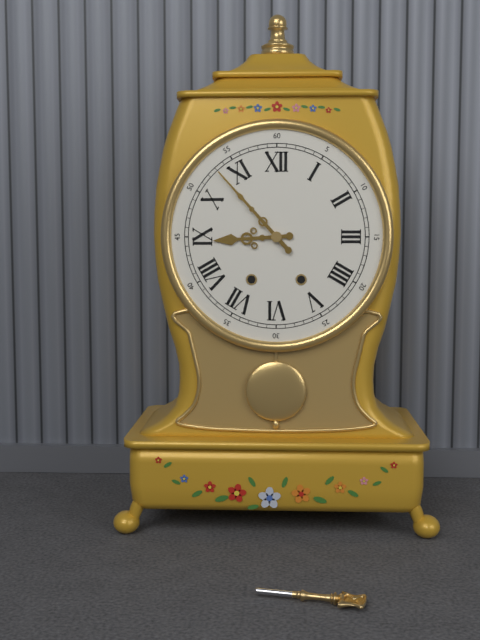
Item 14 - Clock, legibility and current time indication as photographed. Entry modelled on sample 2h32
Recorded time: 8h53
